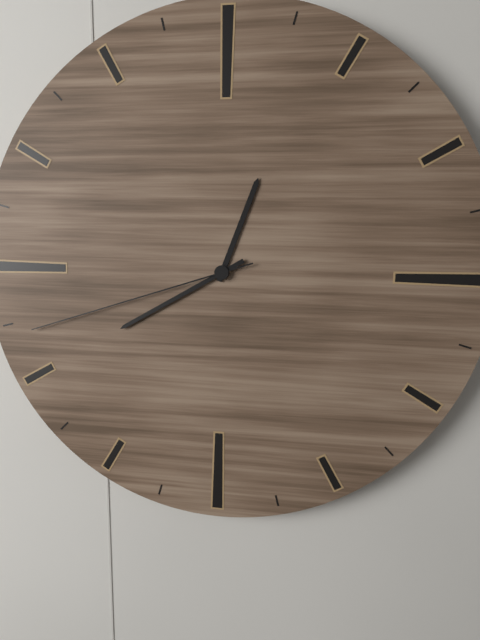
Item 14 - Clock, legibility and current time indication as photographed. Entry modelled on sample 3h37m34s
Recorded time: 12h40m42s
